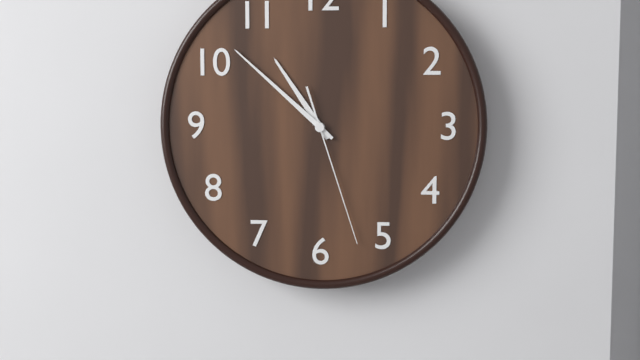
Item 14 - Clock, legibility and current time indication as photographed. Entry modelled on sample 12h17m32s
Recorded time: 10h52m27s
